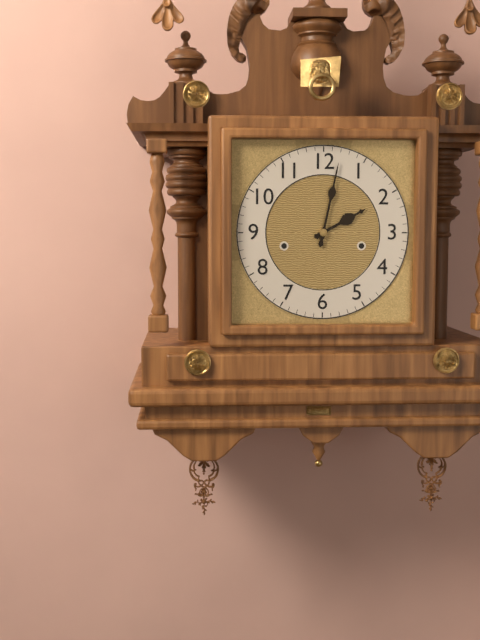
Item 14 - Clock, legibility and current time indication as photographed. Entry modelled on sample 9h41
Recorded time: 2h02
